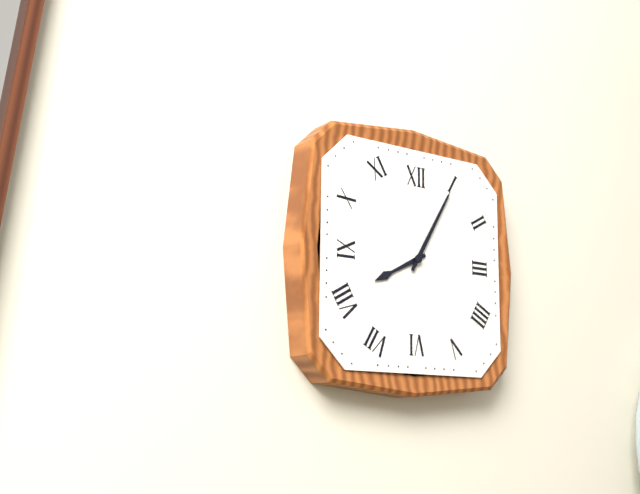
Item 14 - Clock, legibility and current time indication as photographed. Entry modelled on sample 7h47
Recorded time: 8h05
